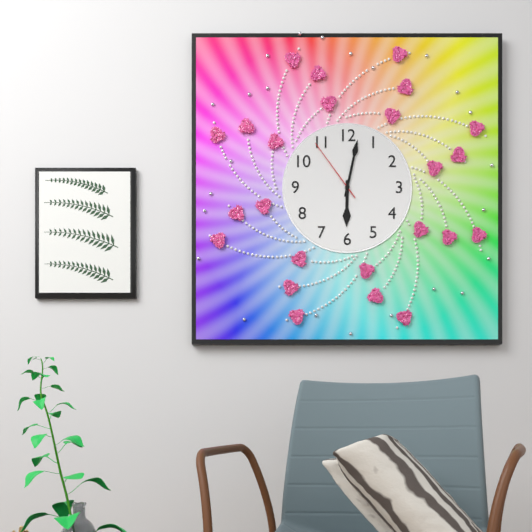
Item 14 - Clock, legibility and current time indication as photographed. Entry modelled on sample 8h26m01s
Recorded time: 6h02m54s
